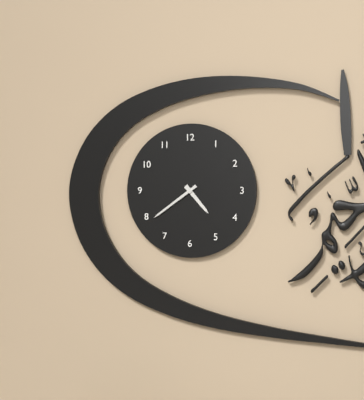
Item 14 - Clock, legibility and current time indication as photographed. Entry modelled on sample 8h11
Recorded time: 4h39
